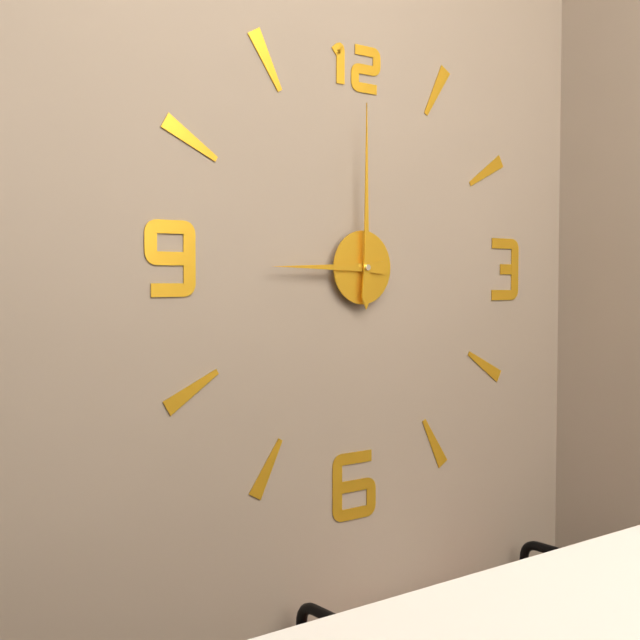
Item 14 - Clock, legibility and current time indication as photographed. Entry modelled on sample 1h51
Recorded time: 9h00
